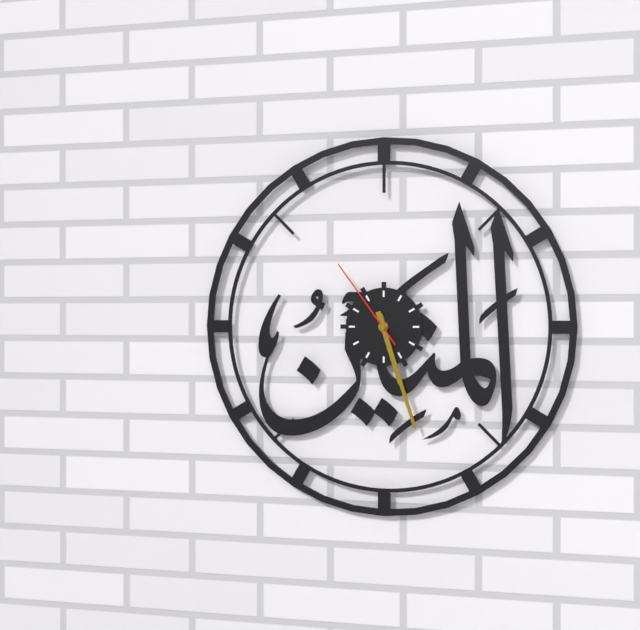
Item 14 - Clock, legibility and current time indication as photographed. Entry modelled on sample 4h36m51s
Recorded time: 5h27m54s
